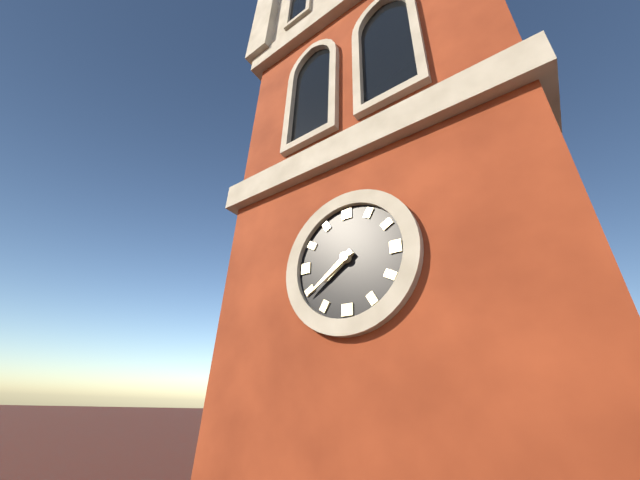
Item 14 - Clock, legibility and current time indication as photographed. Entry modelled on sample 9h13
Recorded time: 7h39
